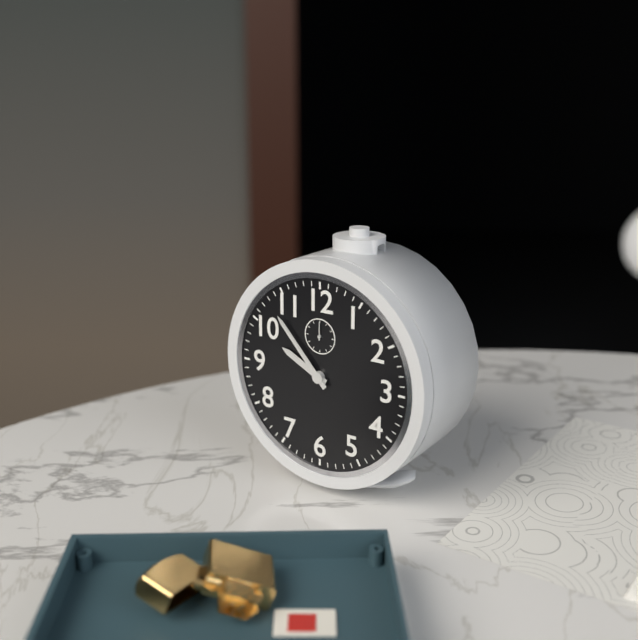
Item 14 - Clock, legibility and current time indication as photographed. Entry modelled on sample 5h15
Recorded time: 9h53
